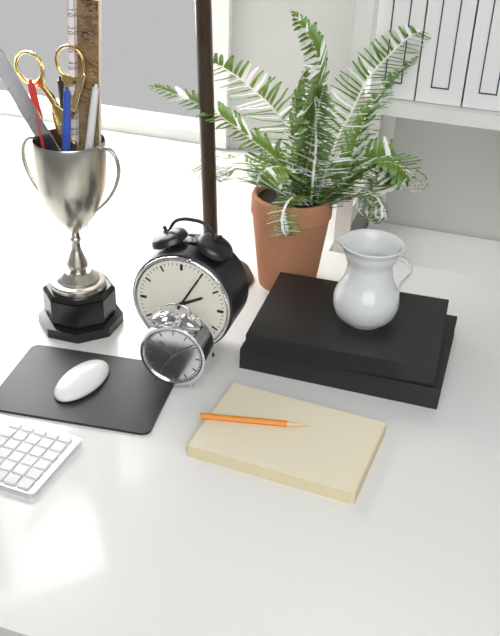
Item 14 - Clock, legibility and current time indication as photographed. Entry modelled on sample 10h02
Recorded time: 2h05
